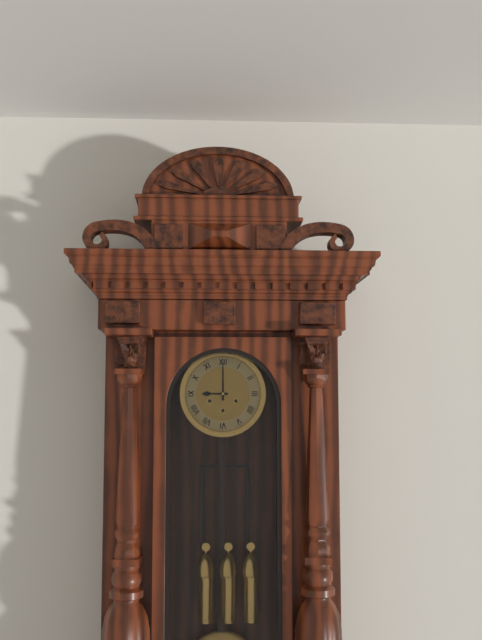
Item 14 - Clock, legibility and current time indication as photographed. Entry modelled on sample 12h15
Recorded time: 9h00
